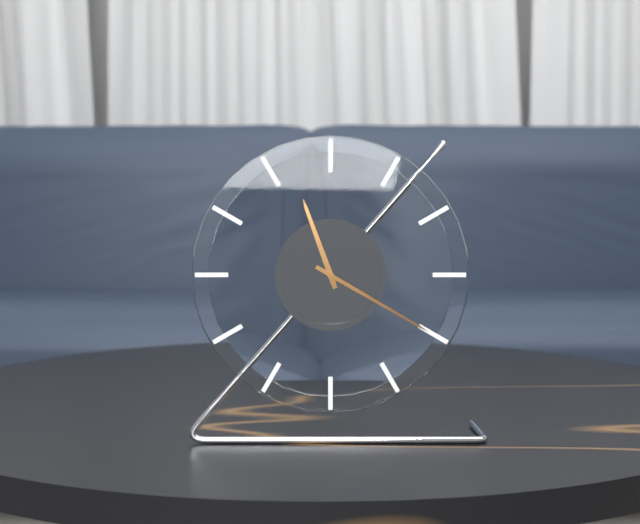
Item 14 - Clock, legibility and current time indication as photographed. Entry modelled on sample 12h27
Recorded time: 11h20
